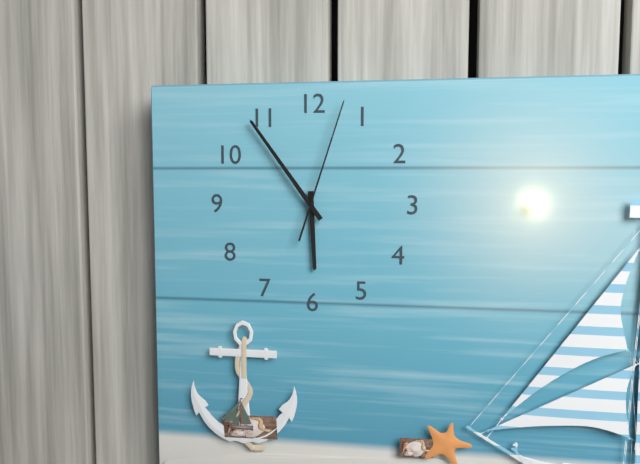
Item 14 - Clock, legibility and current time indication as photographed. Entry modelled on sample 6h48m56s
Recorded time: 5h54m03s
